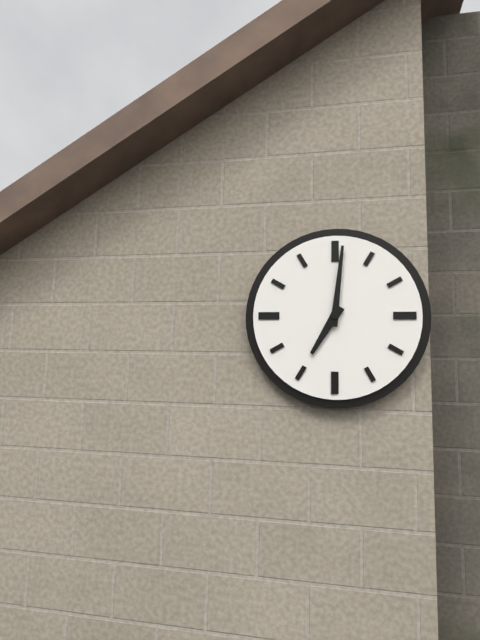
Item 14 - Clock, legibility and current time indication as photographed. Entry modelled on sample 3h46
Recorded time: 7h01
